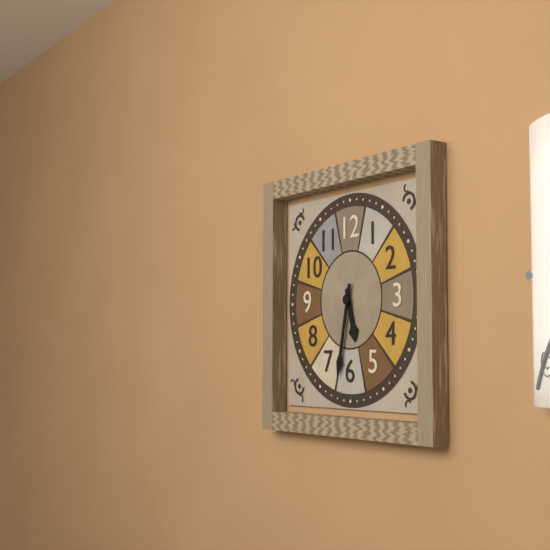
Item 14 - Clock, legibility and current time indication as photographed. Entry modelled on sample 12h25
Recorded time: 5h32
